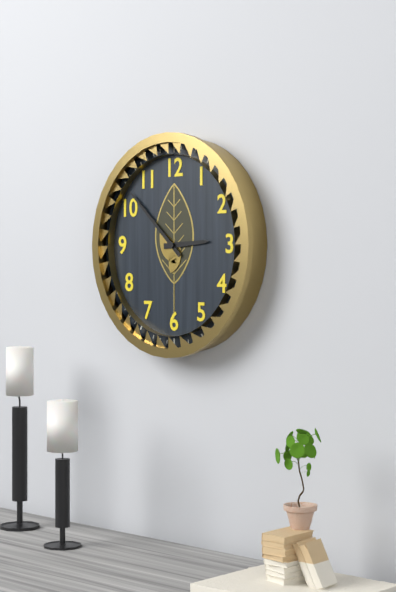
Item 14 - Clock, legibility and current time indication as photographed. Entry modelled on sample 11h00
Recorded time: 2h52
